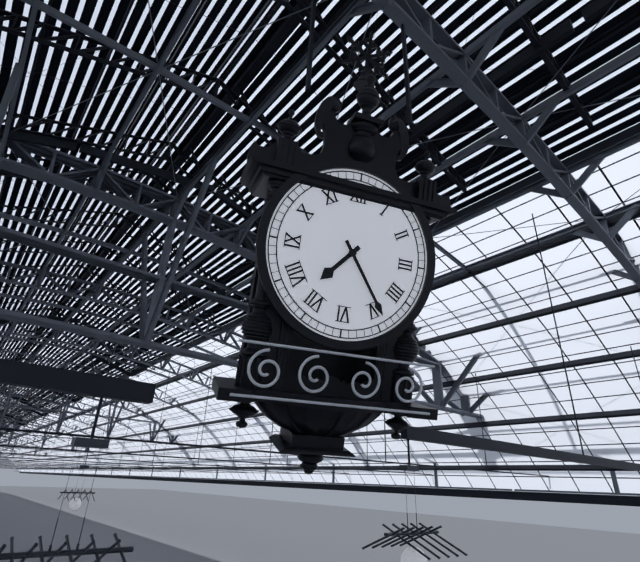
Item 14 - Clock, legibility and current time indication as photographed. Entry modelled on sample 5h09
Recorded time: 7h24
